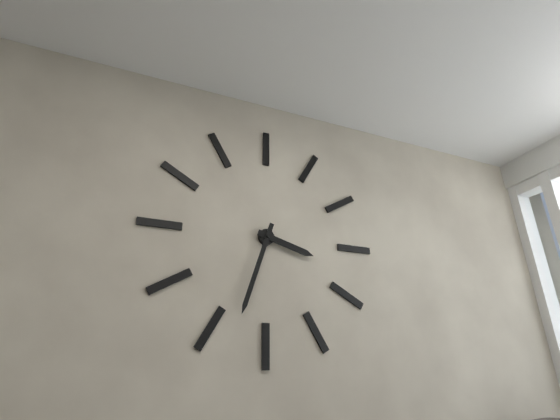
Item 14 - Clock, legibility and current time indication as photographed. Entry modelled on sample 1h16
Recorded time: 3h33
